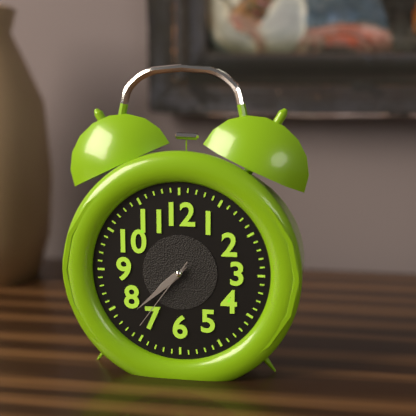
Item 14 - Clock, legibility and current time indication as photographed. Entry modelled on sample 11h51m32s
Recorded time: 7h38m36s
